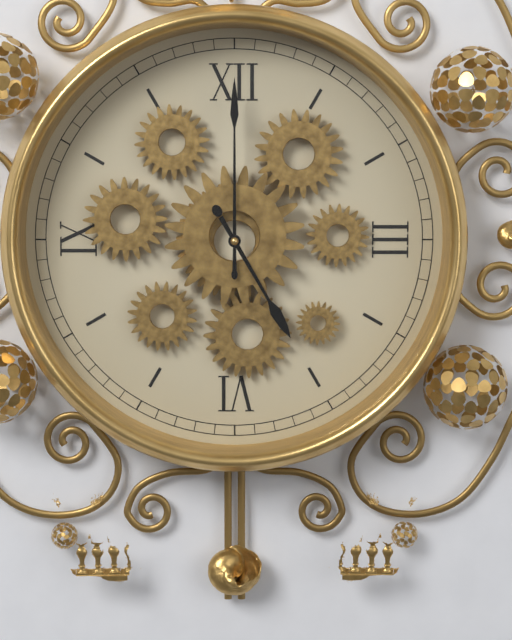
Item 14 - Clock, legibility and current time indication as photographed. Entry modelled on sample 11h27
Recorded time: 5h00
